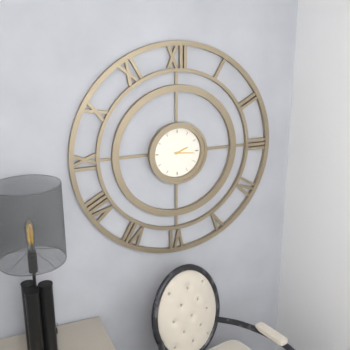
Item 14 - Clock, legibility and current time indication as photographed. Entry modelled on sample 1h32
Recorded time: 2h16
